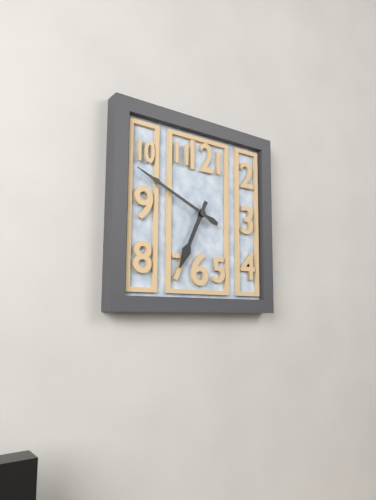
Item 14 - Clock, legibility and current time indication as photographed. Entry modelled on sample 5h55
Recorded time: 6h49
